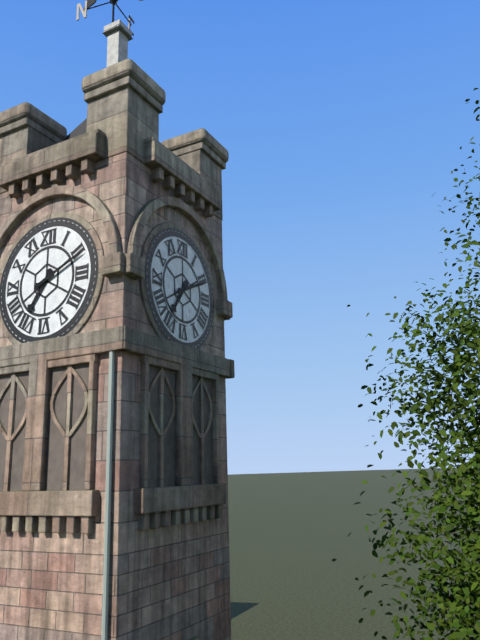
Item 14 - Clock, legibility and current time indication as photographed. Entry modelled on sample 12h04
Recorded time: 7h11
